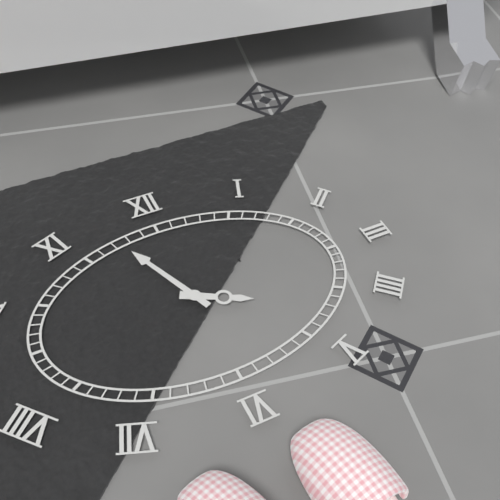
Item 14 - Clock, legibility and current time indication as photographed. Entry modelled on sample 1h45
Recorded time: 3h56
